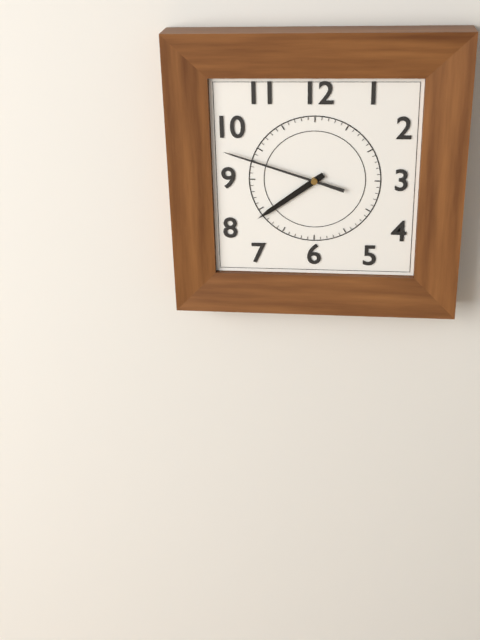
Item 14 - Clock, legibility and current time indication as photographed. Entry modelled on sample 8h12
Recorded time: 7h48
